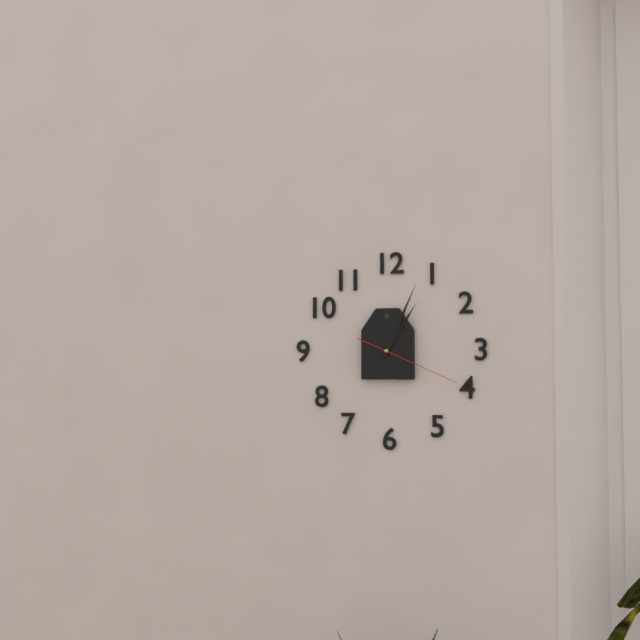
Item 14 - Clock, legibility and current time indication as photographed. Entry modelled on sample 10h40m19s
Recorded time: 1h04m19s
